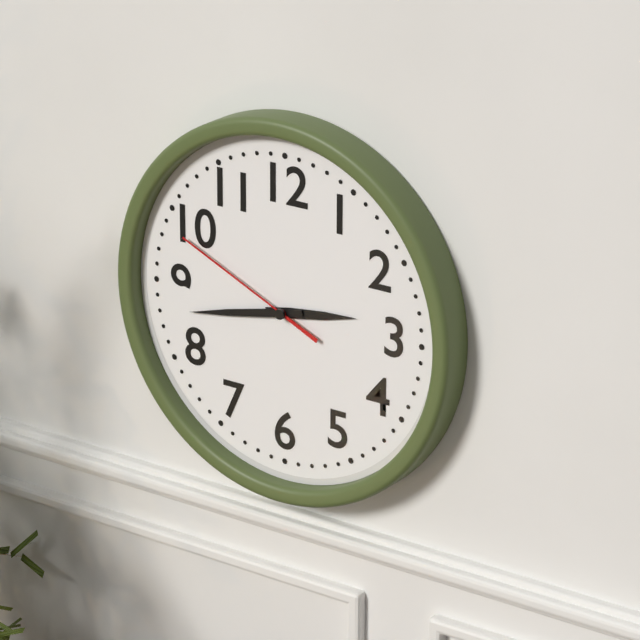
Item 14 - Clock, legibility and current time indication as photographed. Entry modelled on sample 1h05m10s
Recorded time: 2h43m49s
